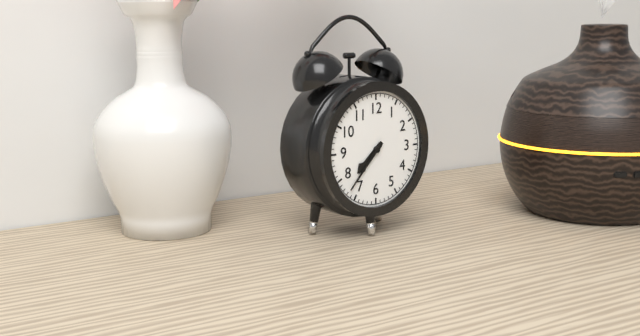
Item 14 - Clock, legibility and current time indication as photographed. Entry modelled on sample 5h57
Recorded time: 7h37
